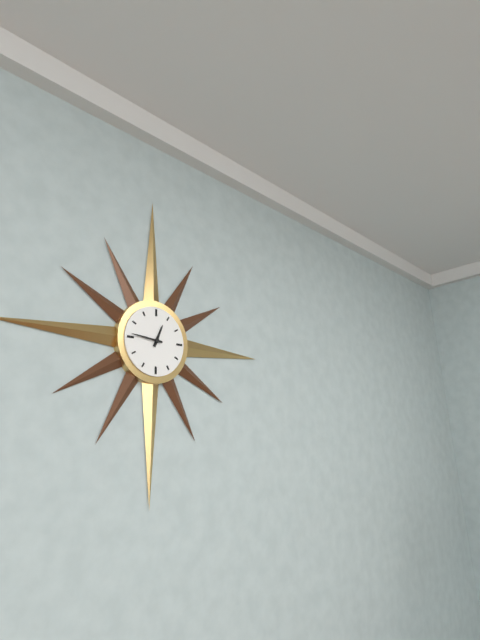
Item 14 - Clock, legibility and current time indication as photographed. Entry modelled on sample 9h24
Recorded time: 12h46
